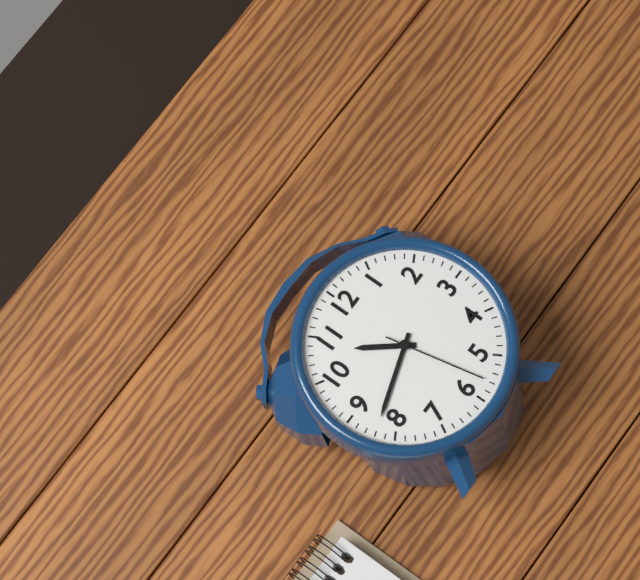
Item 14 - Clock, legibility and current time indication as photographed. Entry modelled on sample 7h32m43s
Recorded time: 10h42m28s
